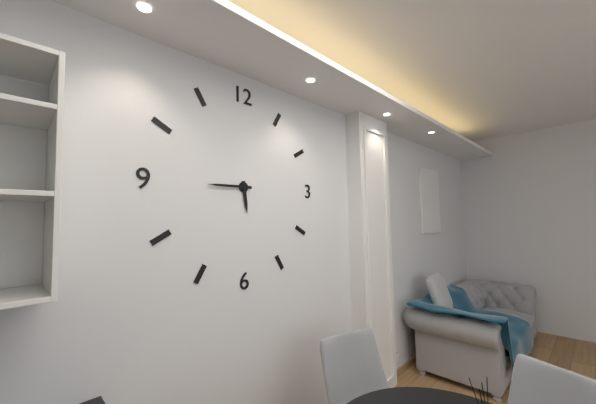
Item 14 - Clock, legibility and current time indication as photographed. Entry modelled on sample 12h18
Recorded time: 5h45
